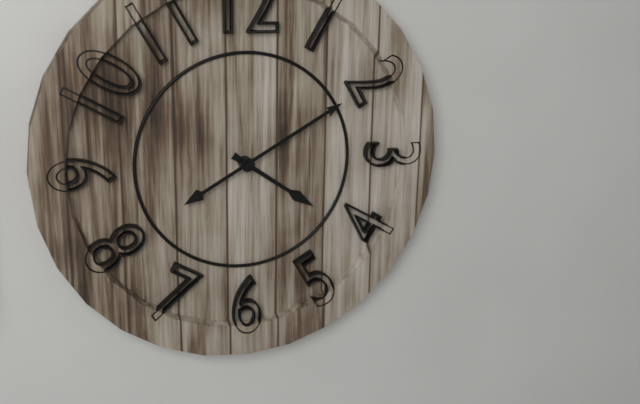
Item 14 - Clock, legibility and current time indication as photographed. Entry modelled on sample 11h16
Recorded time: 4h10
